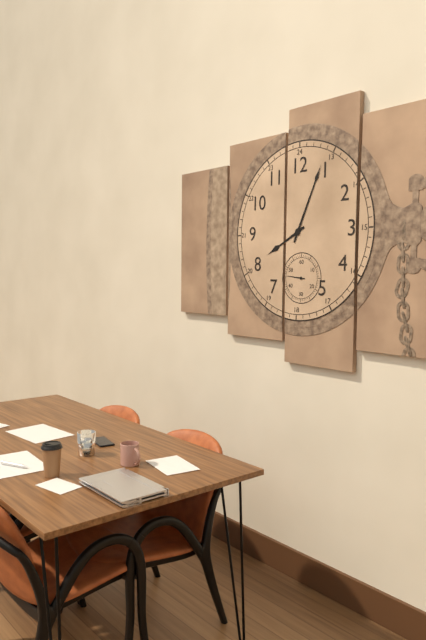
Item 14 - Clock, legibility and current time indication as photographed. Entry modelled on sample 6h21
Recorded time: 8h04
